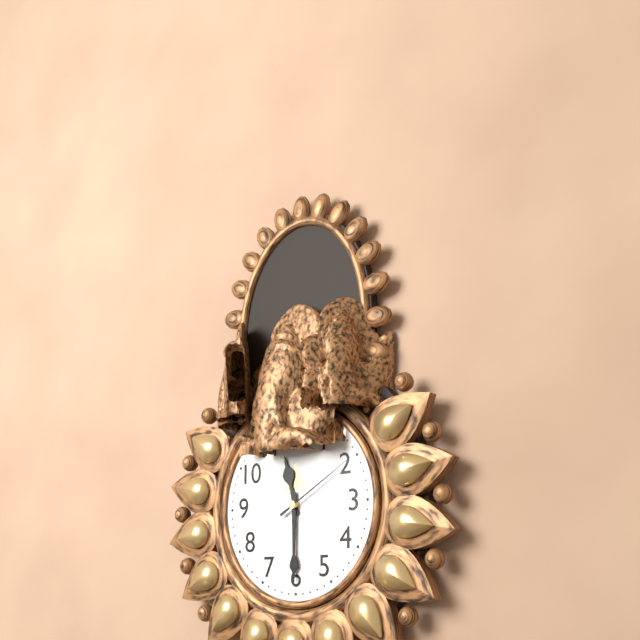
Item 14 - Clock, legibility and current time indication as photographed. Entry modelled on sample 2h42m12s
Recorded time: 11h30m10s
